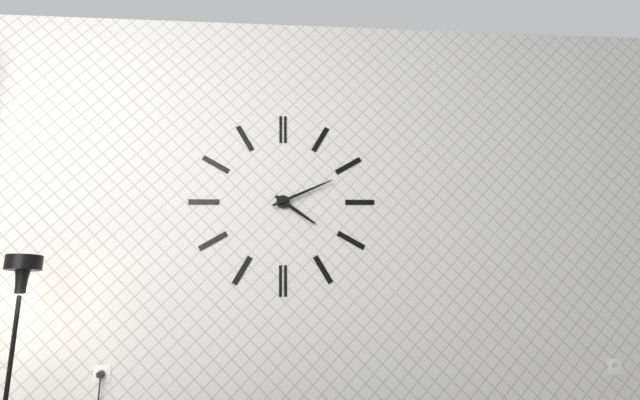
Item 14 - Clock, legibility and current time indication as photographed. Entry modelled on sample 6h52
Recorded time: 4h11
